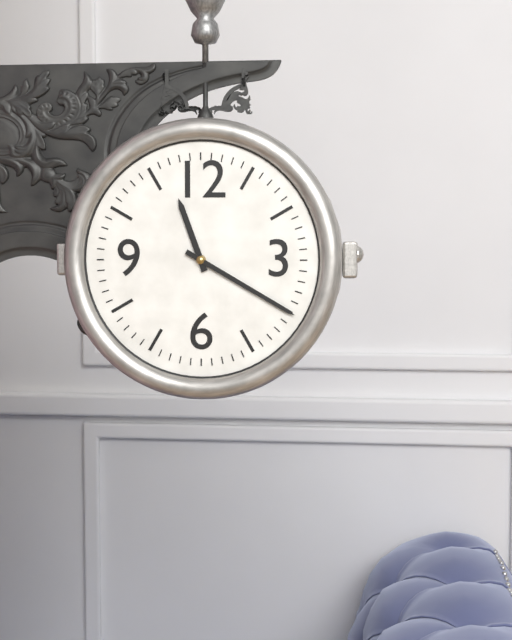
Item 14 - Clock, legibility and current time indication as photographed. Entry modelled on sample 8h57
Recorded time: 11h20
